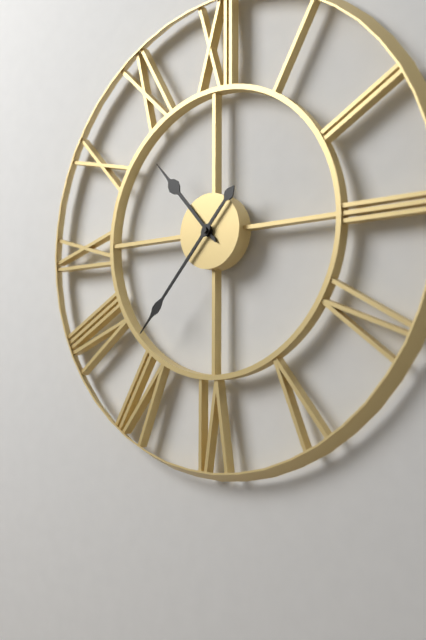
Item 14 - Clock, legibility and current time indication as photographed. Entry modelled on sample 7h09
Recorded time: 10h37
